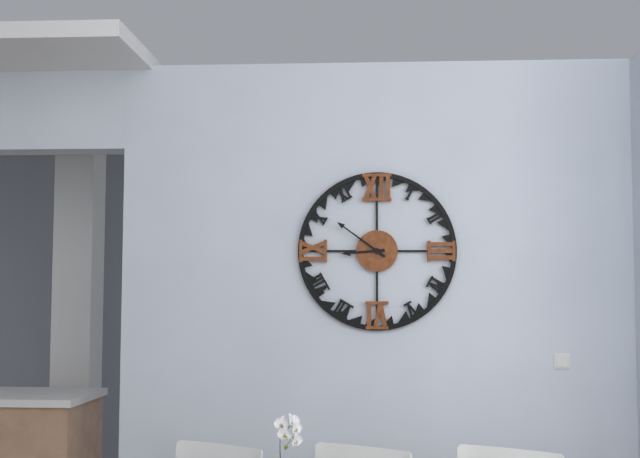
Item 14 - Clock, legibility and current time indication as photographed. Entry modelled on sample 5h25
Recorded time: 8h51
